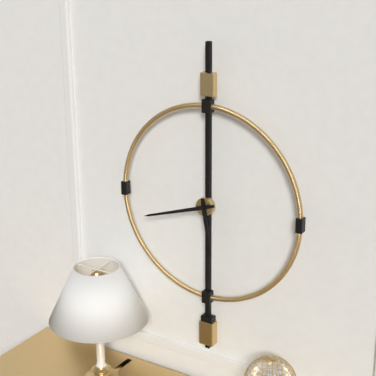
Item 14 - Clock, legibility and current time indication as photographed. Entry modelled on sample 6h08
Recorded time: 5h42
